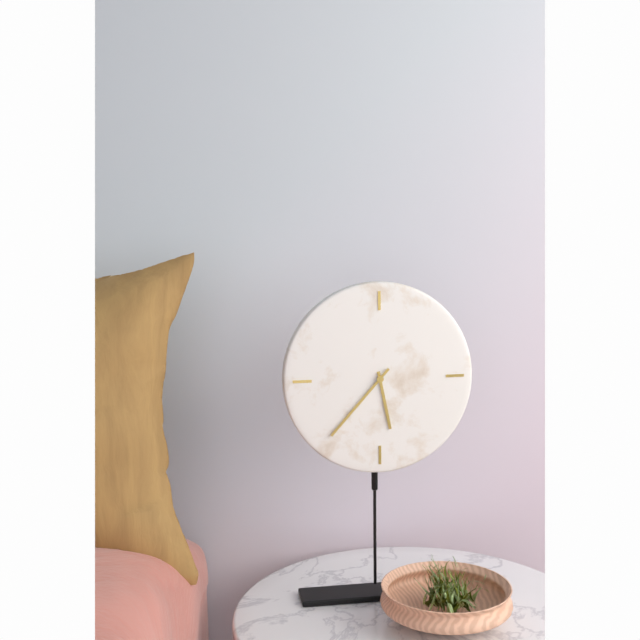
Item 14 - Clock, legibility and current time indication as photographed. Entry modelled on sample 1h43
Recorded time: 5h37
